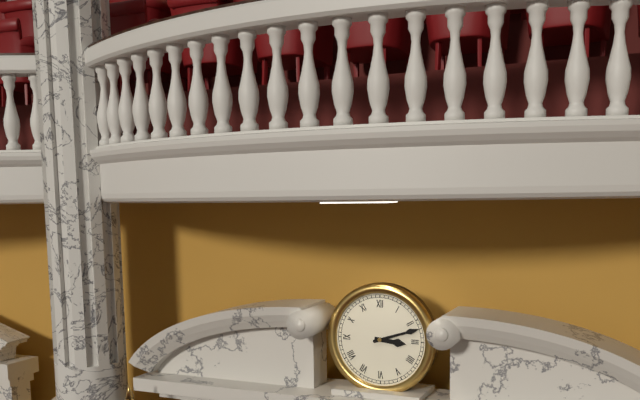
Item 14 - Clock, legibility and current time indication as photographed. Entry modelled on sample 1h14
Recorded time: 3h12
